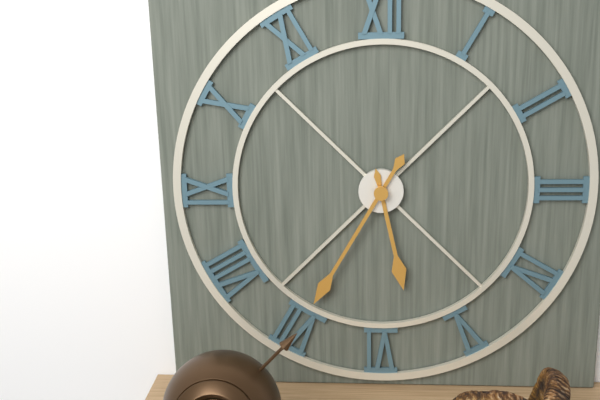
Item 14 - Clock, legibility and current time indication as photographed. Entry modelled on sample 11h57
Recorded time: 5h35
